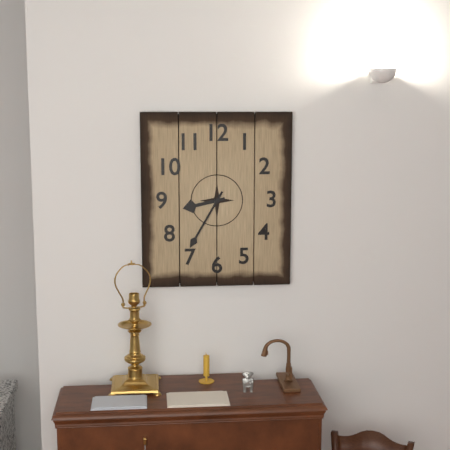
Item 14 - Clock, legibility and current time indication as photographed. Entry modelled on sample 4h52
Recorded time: 8h35
